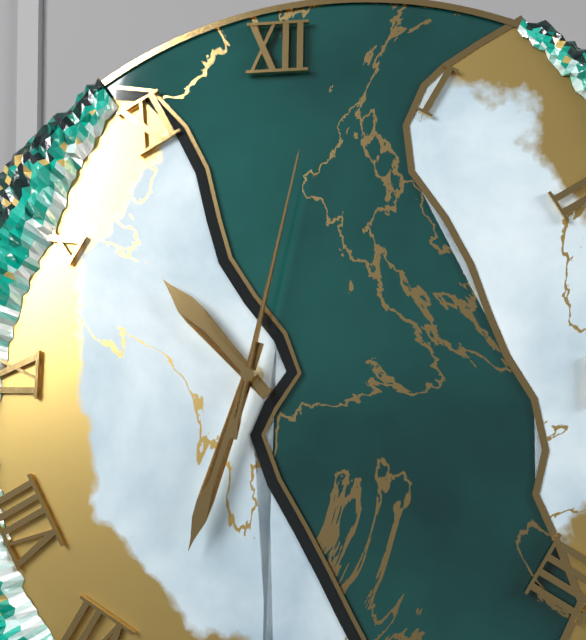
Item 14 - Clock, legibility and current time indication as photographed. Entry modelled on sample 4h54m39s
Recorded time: 10h33m02s
